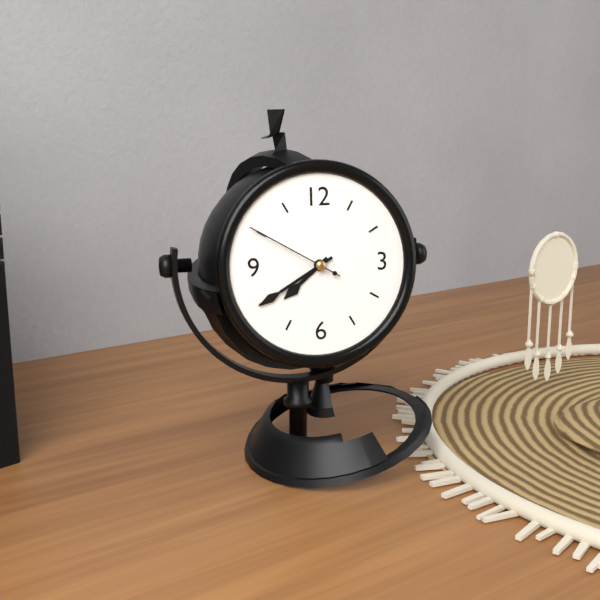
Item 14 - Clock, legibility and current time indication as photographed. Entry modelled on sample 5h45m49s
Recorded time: 7h40m50s
